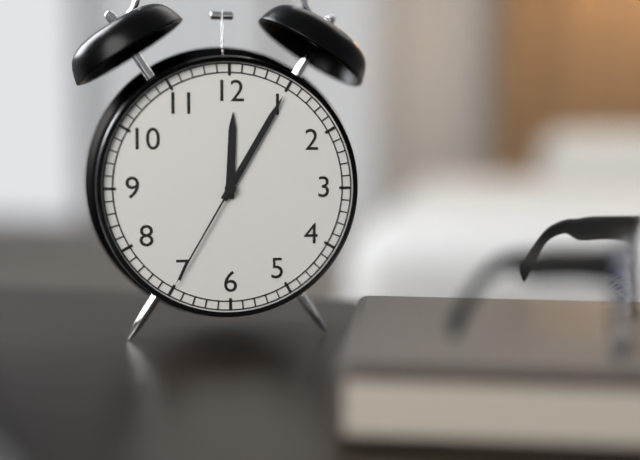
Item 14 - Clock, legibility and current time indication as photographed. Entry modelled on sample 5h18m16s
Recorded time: 12h05m35s
